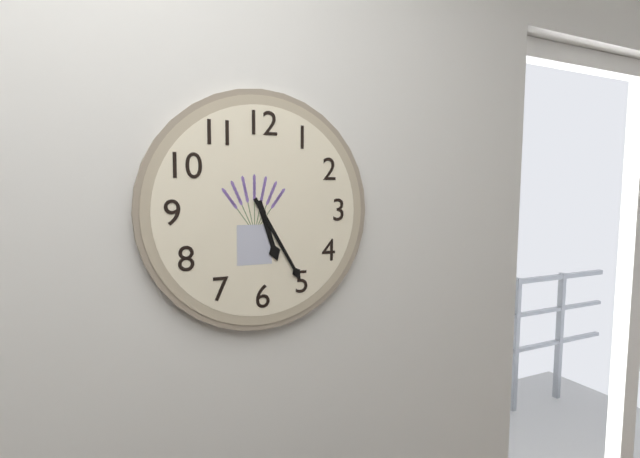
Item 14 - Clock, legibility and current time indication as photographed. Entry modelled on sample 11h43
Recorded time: 5h25
